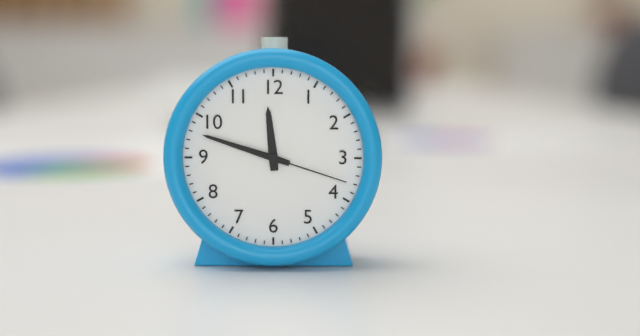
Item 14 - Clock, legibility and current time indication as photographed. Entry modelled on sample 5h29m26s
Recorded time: 11h48m18s
